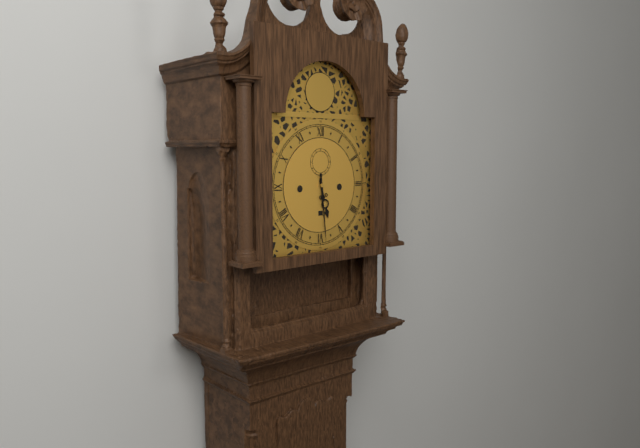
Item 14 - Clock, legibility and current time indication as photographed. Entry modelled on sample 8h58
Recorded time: 5h29
